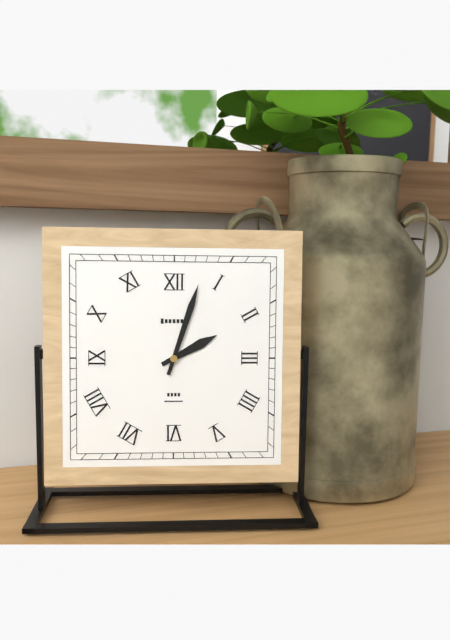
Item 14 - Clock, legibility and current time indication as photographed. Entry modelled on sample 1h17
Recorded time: 2h03
